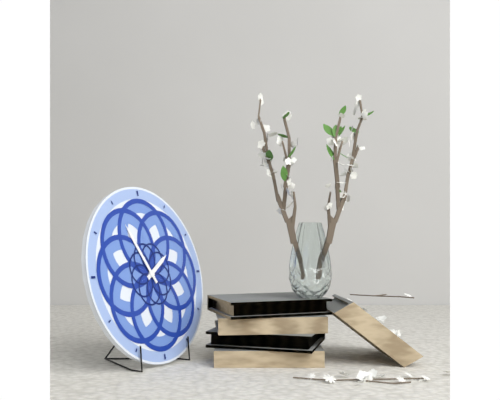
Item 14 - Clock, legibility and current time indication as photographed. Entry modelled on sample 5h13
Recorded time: 1h55
